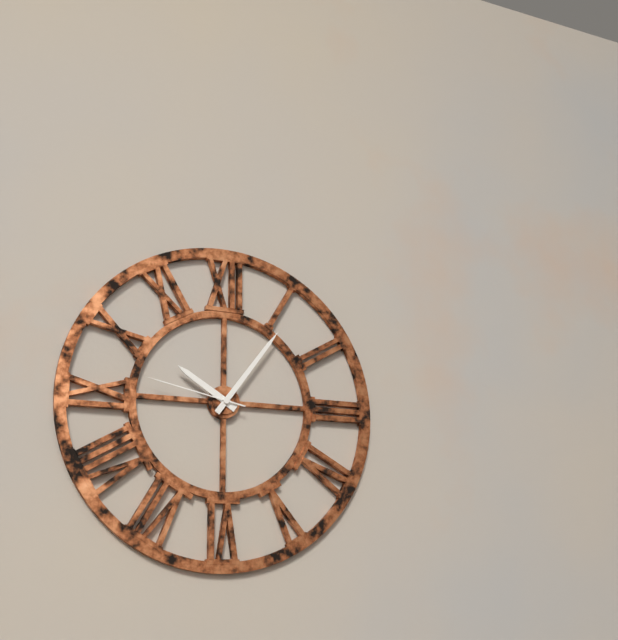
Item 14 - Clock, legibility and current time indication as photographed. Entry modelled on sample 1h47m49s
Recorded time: 10h06m47s
